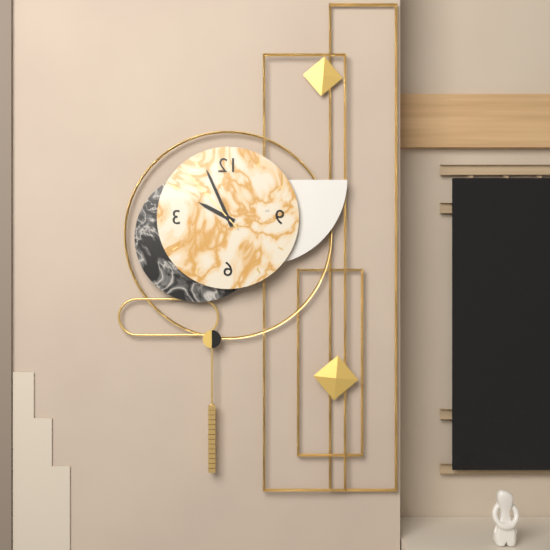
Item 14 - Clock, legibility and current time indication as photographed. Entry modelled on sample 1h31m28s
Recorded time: 9h56m53s
